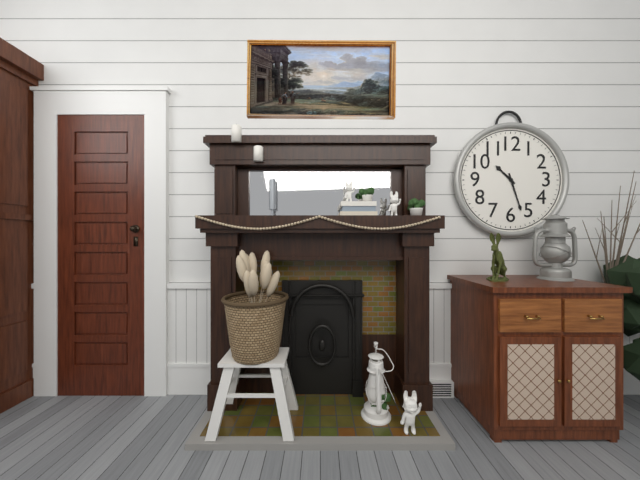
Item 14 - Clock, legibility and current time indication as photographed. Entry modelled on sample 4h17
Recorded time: 10h27
